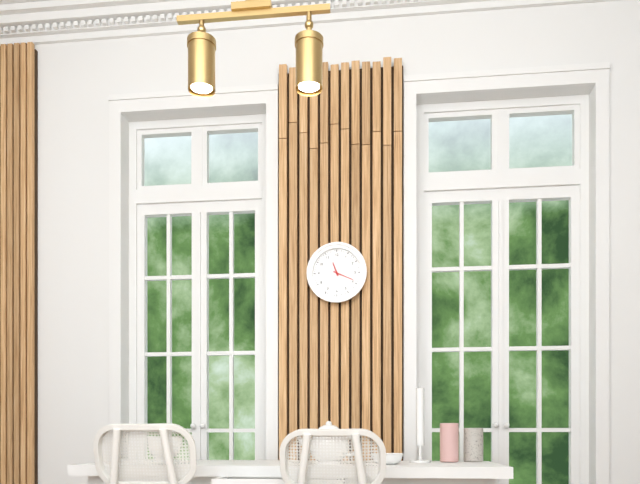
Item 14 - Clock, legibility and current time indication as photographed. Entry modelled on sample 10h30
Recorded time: 11h19
